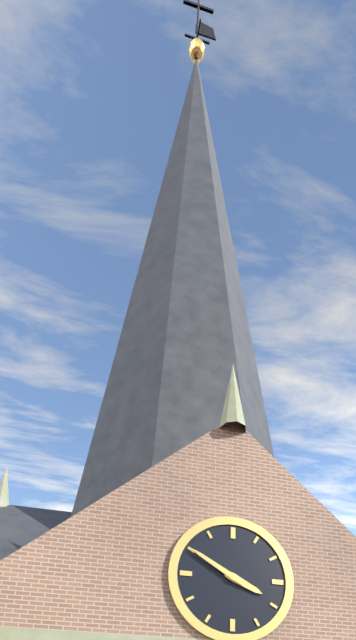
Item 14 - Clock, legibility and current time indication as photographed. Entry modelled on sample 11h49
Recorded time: 3h50
